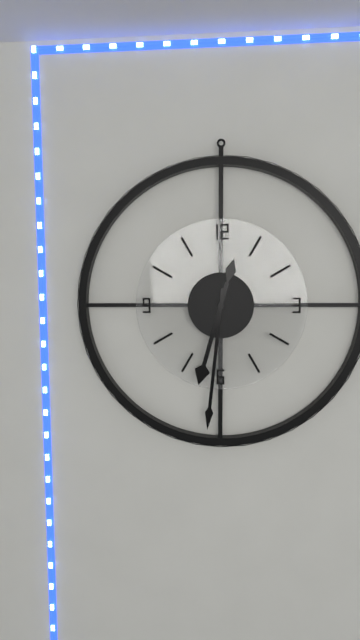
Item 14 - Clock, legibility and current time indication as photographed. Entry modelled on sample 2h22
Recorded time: 6h31
